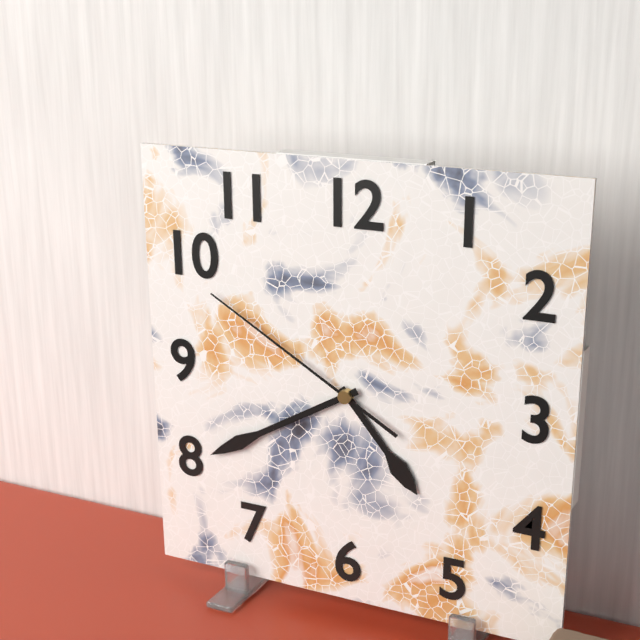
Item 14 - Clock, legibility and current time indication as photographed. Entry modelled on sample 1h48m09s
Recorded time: 4h40m50s
